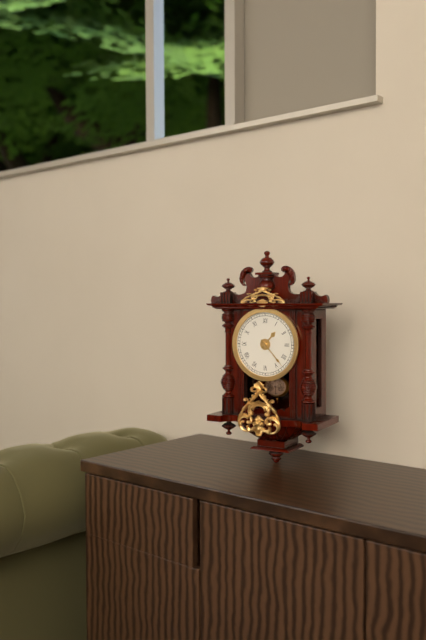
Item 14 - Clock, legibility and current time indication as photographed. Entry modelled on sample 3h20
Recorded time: 1h23
